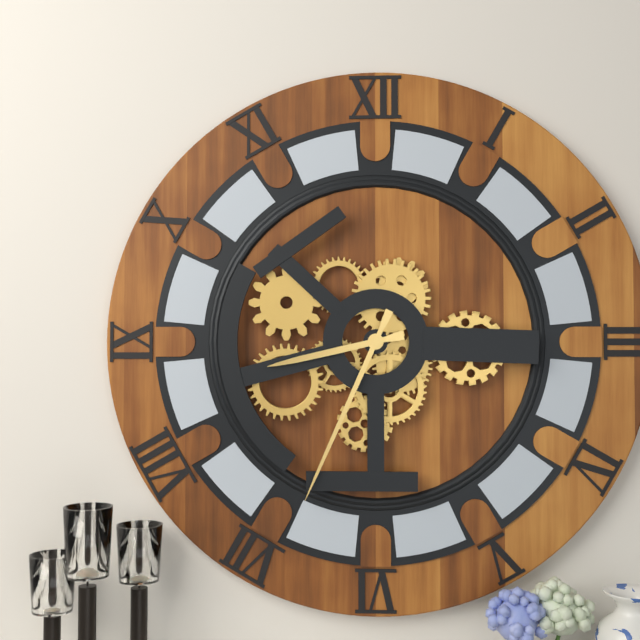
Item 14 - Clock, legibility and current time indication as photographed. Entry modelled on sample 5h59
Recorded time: 8h34
